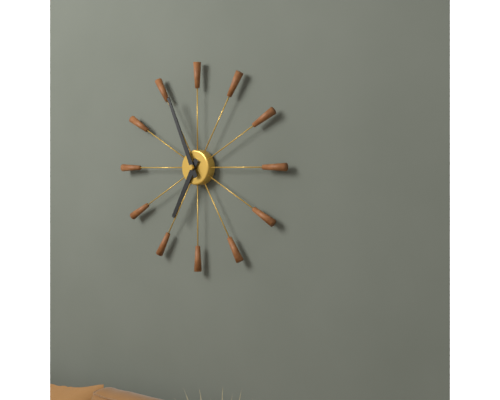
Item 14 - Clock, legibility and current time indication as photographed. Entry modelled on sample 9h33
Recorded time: 6h56
